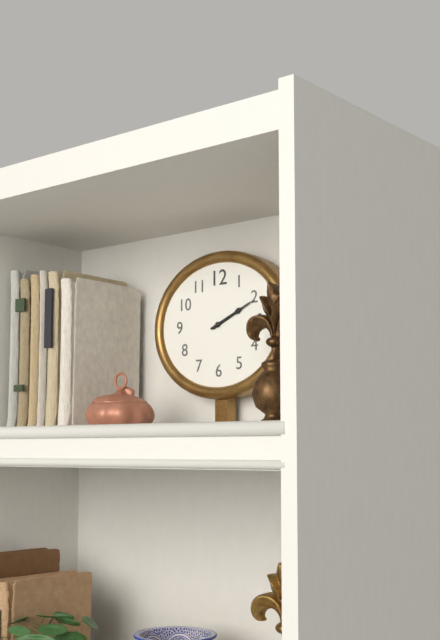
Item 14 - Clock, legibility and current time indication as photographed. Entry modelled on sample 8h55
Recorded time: 2h11
